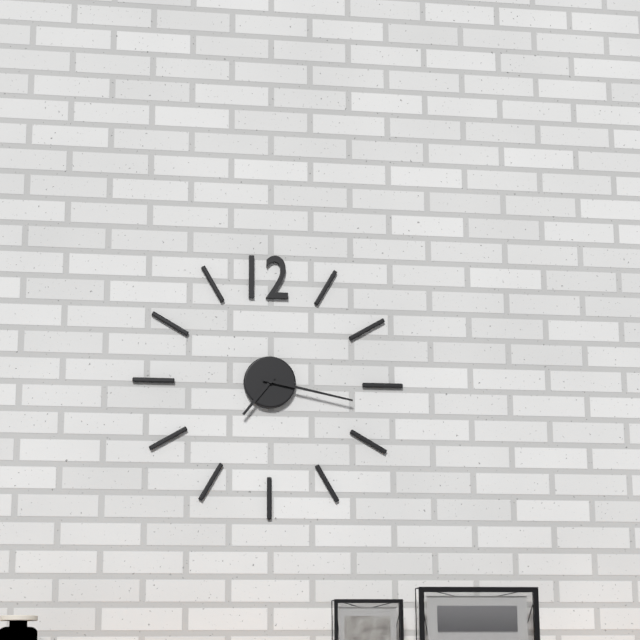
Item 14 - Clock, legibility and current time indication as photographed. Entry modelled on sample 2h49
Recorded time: 7h17
